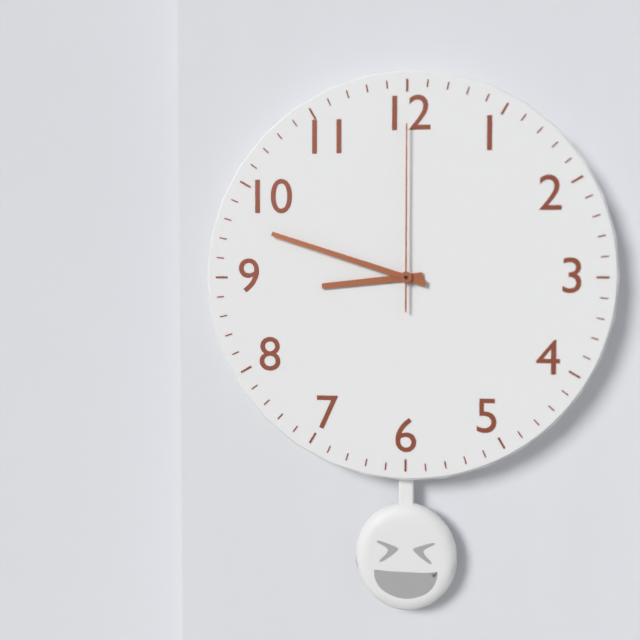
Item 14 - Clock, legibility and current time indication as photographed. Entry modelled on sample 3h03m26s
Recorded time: 8h48m00s
